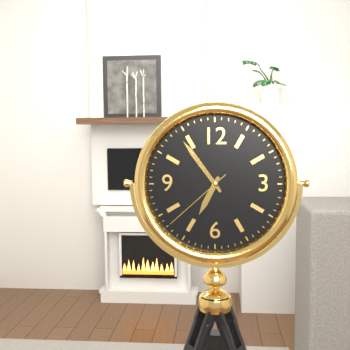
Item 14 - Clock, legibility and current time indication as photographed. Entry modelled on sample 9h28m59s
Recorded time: 6h54m38s
